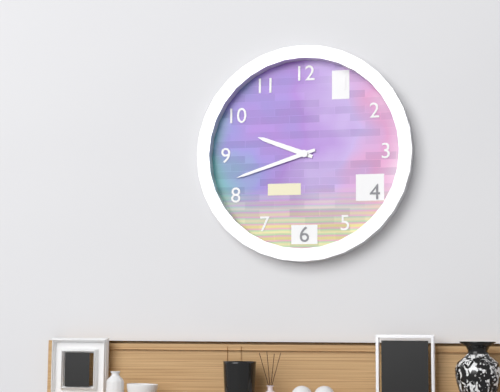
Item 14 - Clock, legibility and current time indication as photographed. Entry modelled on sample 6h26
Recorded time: 9h42
